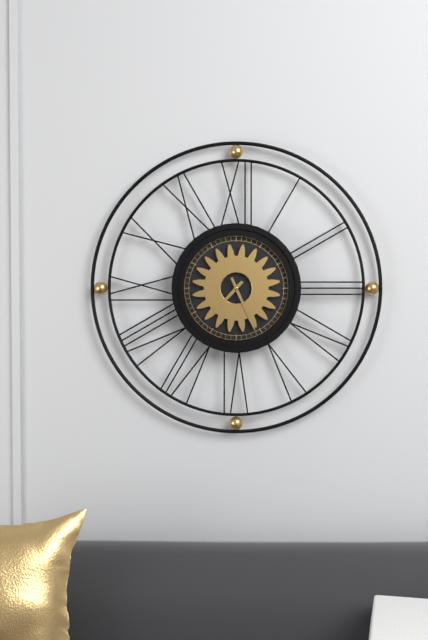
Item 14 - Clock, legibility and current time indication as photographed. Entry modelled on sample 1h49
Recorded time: 7h26
